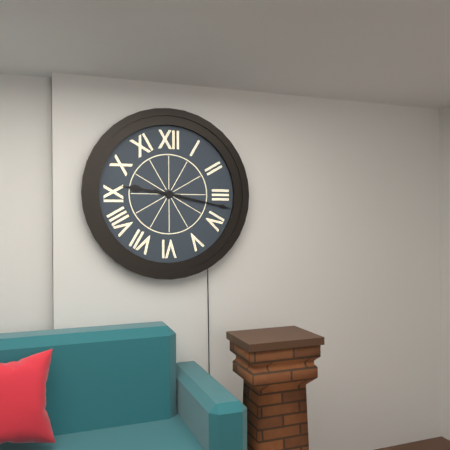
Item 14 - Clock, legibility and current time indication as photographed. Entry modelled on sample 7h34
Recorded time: 9h17
